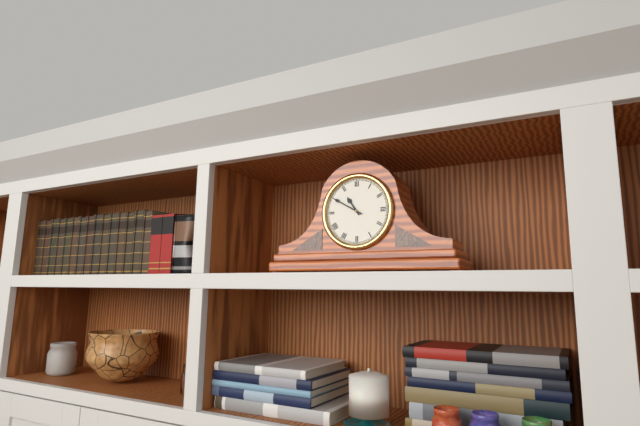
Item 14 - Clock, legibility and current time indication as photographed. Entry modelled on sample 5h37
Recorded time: 10h50
